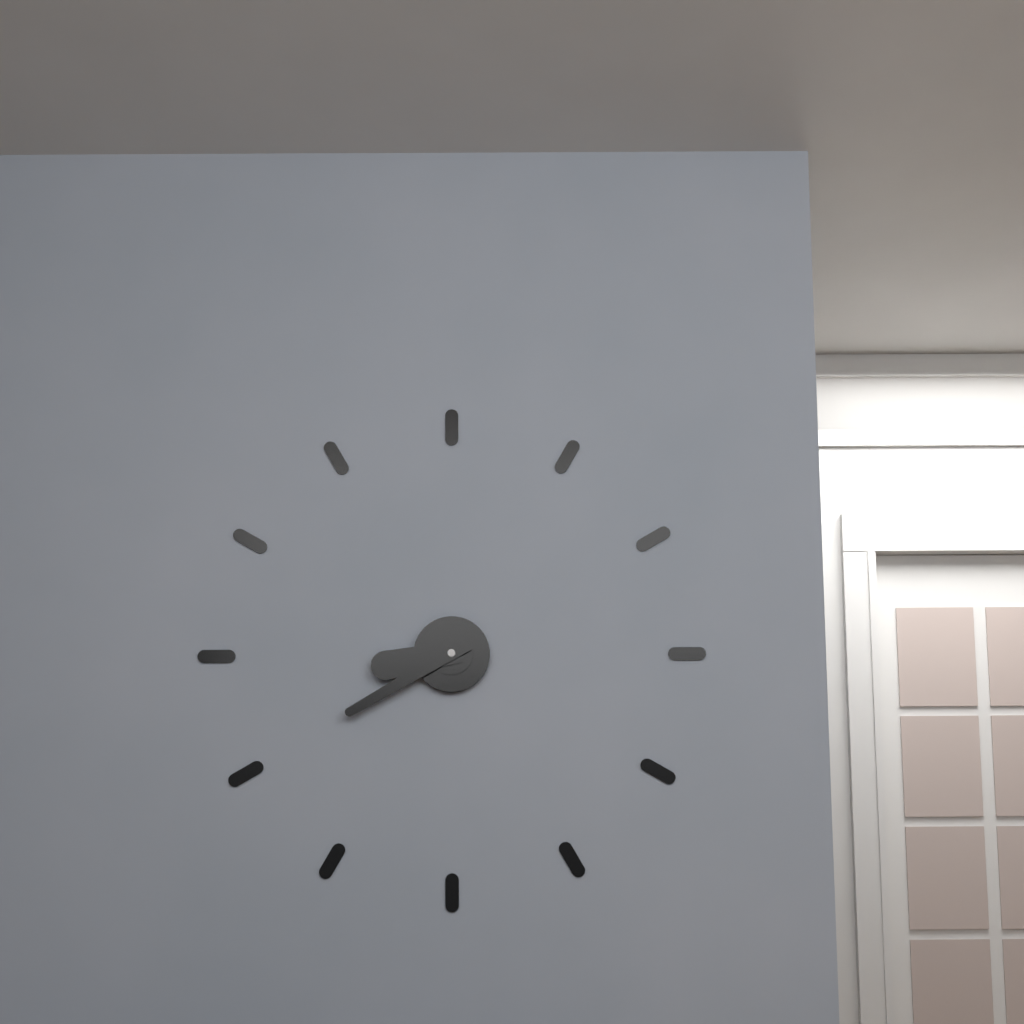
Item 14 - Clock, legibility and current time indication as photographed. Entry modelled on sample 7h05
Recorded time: 8h40
